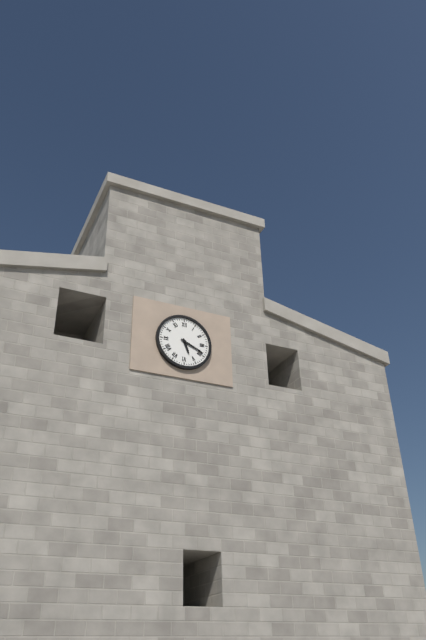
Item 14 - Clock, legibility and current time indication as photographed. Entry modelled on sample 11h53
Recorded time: 5h19
